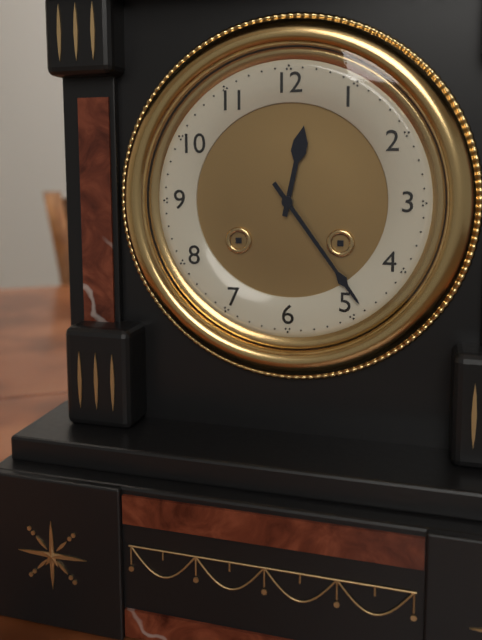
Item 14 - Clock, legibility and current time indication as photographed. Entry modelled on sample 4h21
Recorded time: 12h24
